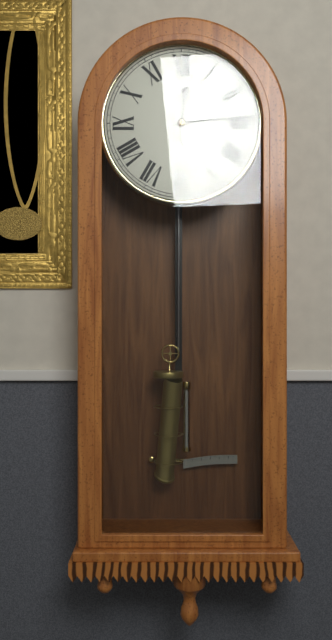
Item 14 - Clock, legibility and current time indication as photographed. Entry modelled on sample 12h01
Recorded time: 12h14
